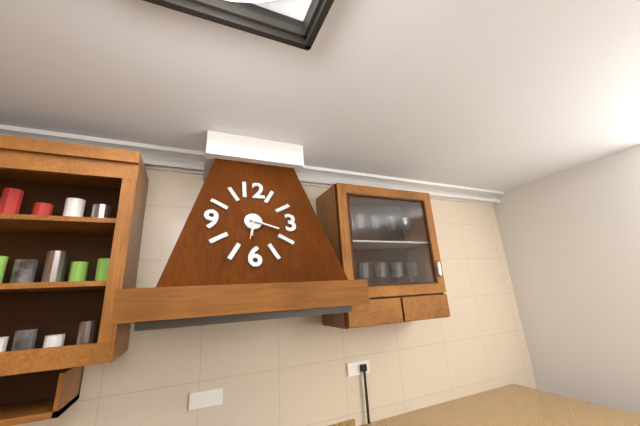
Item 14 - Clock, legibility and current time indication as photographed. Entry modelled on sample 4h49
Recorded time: 6h18
